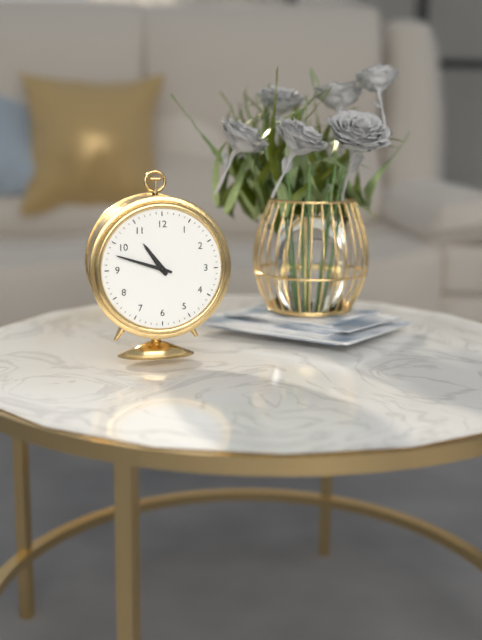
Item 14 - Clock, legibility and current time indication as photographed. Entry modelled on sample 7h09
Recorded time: 10h48
